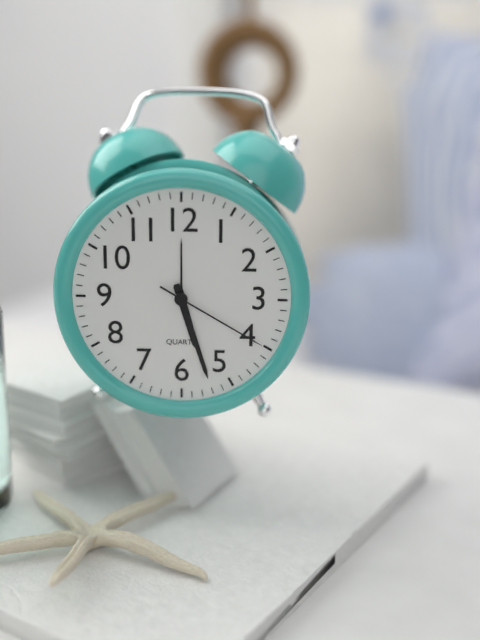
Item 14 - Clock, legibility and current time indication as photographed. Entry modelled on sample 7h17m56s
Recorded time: 5h27m20s
